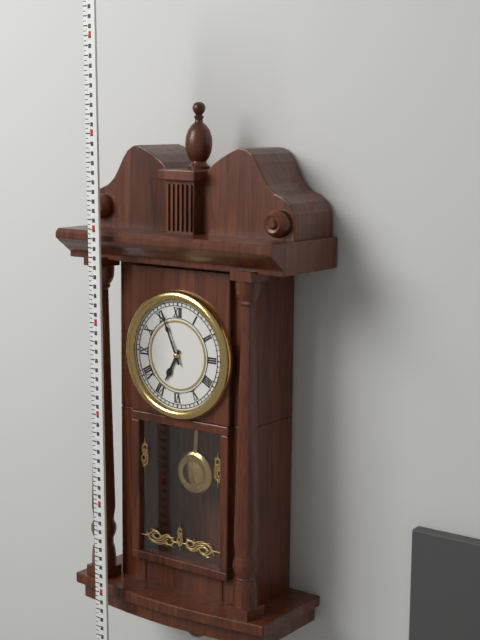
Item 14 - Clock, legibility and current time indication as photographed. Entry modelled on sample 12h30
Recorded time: 6h56
